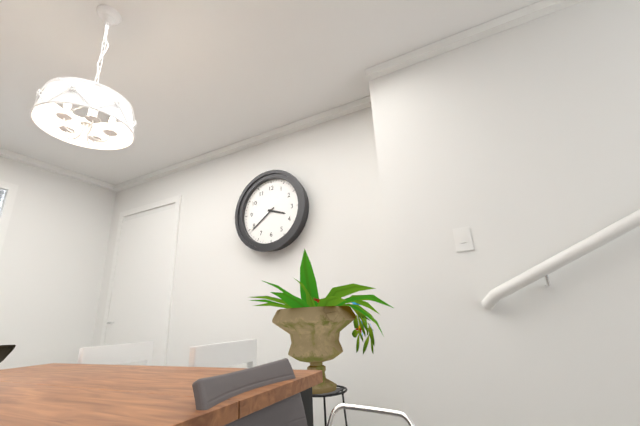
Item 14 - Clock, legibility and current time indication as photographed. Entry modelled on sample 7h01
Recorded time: 3h39
